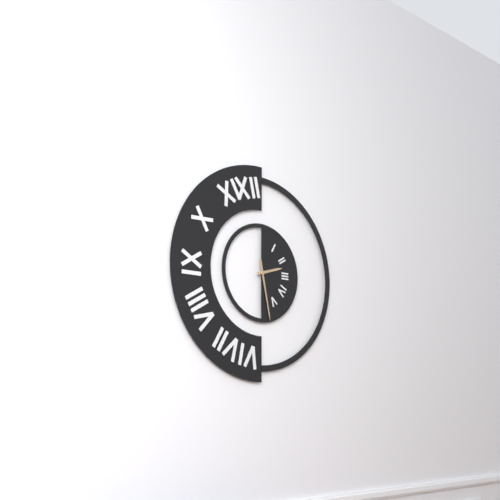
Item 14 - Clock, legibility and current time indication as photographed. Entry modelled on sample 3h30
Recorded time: 2h28
